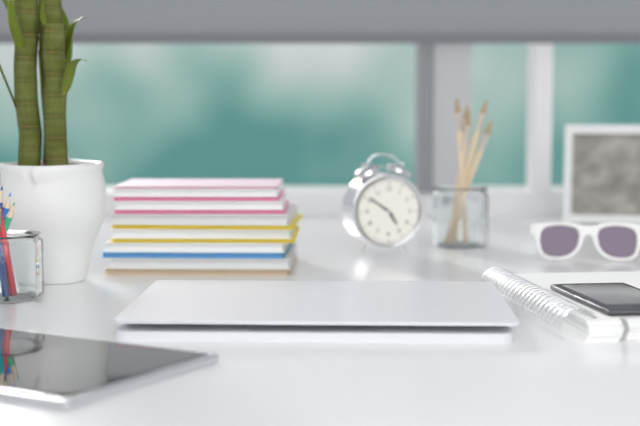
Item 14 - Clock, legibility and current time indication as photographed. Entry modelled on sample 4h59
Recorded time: 4h51
